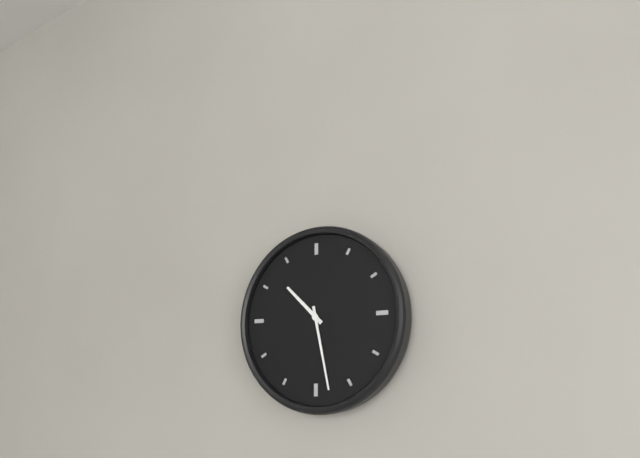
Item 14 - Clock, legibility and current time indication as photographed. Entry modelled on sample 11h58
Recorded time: 10h28
